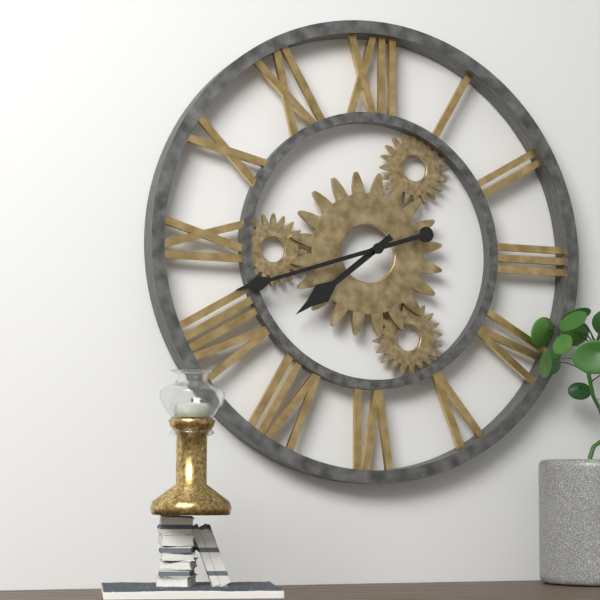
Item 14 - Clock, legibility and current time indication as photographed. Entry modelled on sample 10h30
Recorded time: 7h42
